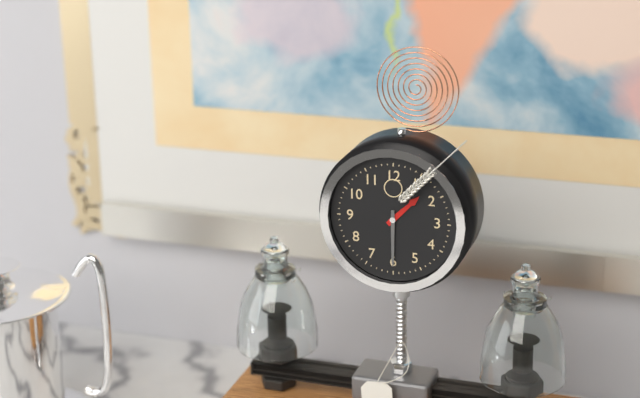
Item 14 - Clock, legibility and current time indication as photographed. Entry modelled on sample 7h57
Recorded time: 1h30
